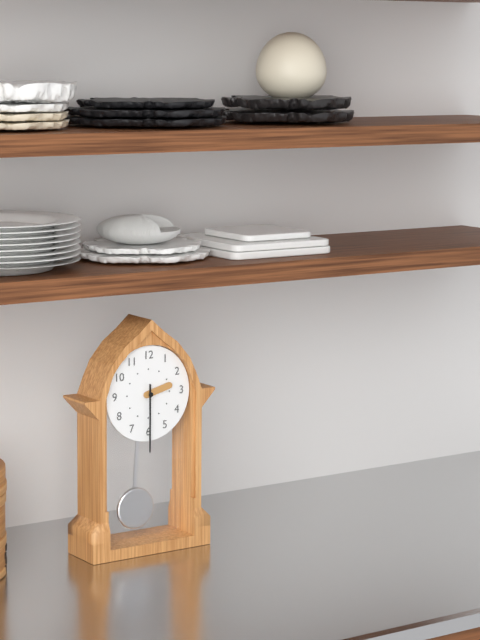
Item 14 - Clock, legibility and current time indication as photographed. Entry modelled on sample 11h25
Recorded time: 2h30
